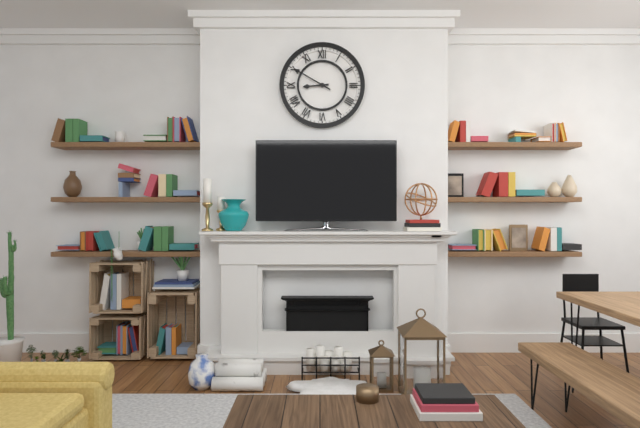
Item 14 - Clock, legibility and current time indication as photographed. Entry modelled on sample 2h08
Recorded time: 8h50
